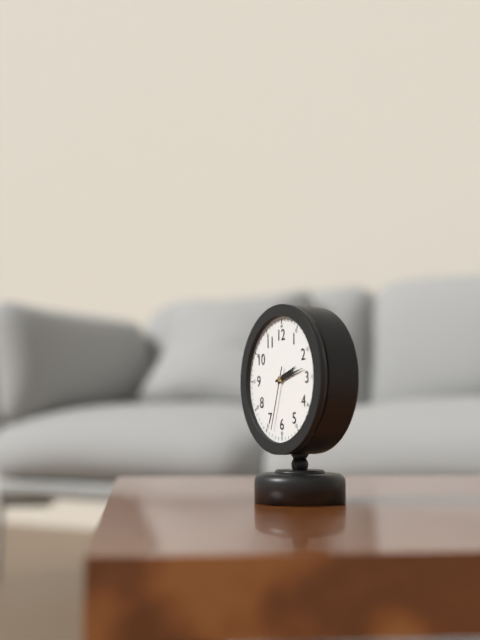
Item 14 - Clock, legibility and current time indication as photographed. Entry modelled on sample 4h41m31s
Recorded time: 2h13m33s
